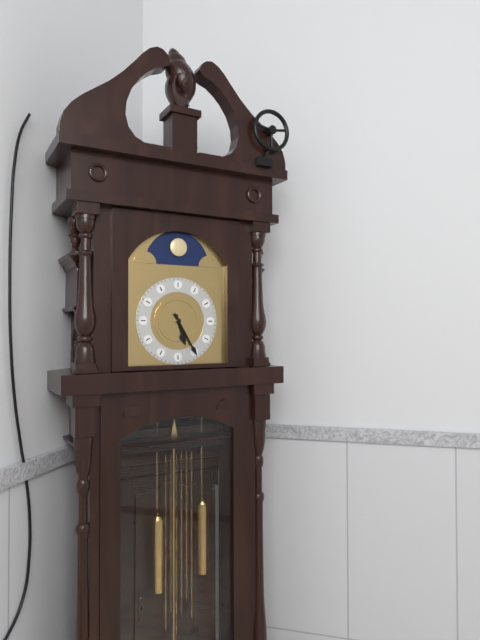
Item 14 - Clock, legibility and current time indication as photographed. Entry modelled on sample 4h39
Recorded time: 5h25
